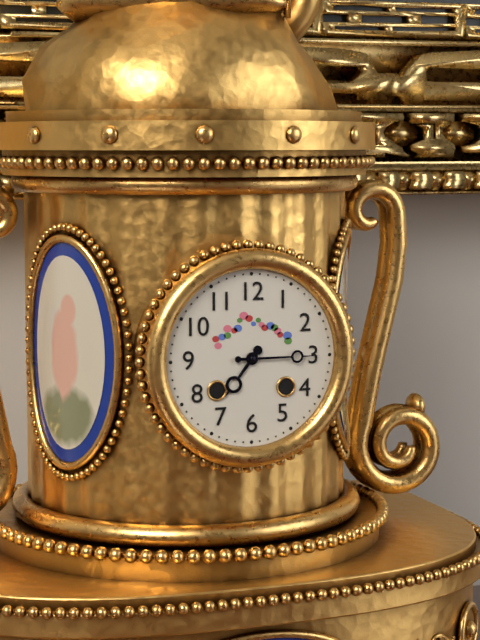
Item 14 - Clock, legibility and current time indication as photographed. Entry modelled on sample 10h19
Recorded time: 7h15
